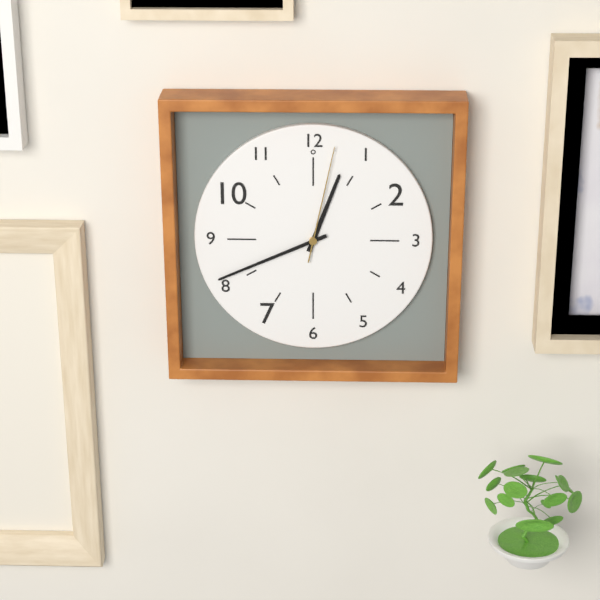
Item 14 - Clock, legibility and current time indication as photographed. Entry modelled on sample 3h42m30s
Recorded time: 12h41m02s
